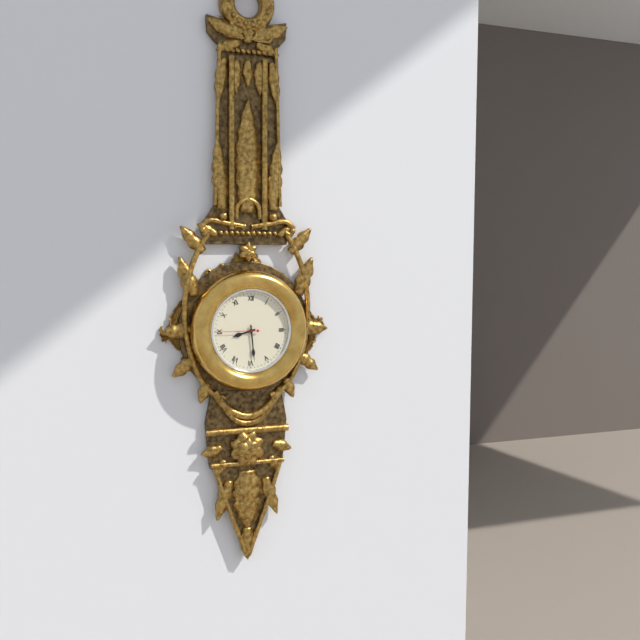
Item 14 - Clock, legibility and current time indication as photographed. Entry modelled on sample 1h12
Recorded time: 8h29
